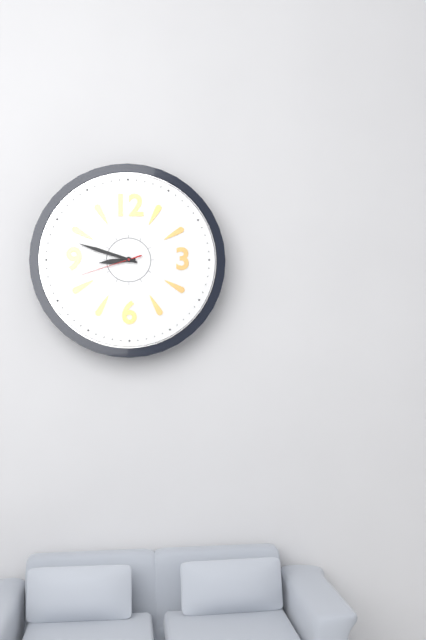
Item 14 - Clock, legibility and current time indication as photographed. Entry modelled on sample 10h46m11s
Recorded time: 8h48m42s
